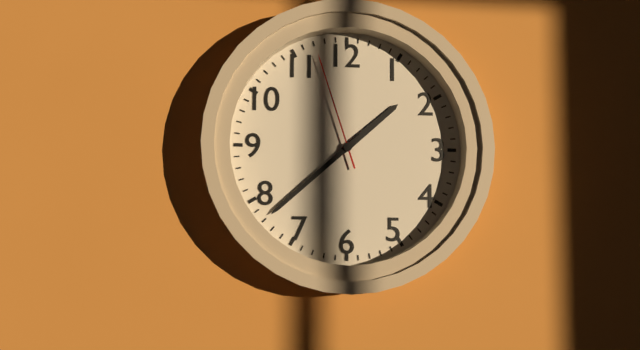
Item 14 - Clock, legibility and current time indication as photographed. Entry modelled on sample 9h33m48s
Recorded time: 1h38m57s
